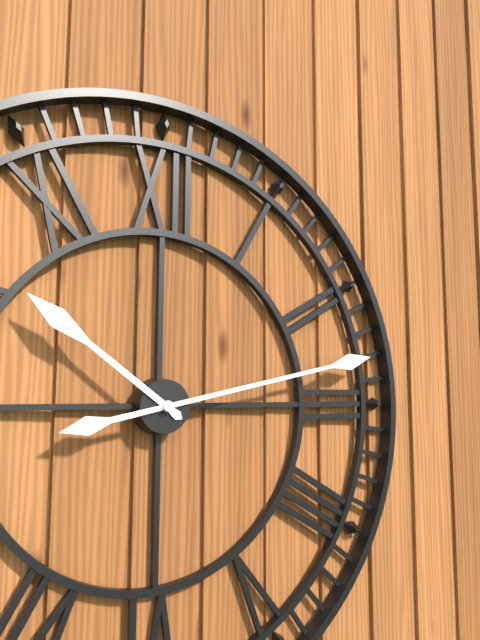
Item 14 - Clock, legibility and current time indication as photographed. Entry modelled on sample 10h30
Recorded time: 10h13
